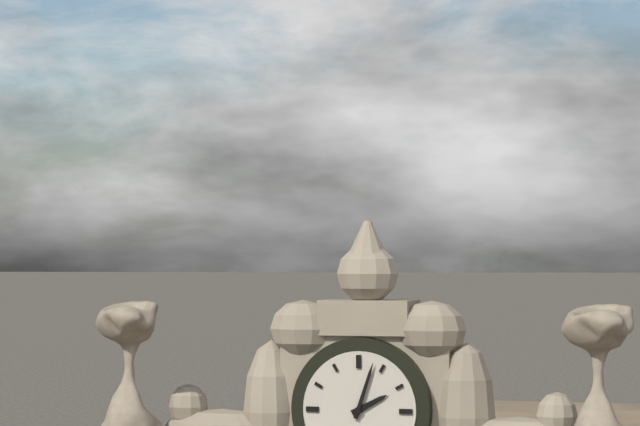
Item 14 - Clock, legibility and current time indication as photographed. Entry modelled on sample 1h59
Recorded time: 2h03
